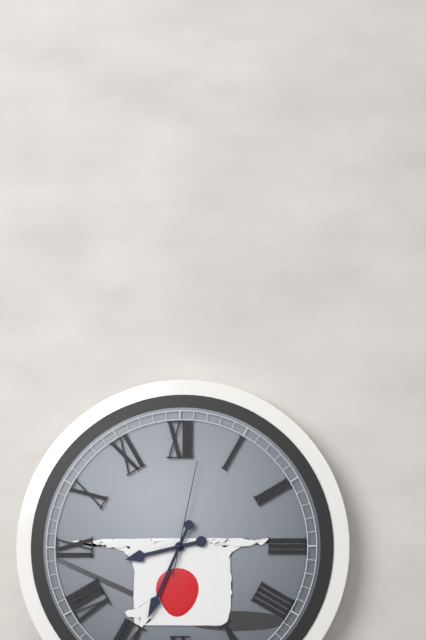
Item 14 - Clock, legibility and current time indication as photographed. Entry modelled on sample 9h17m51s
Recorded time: 8h34m02s
